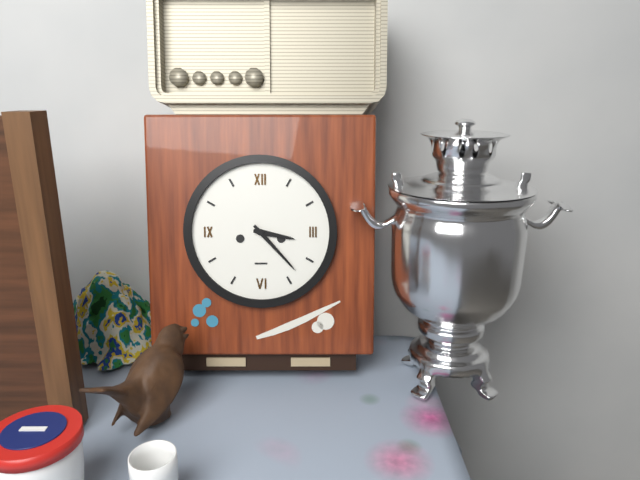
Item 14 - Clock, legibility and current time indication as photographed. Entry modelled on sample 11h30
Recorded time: 3h23
